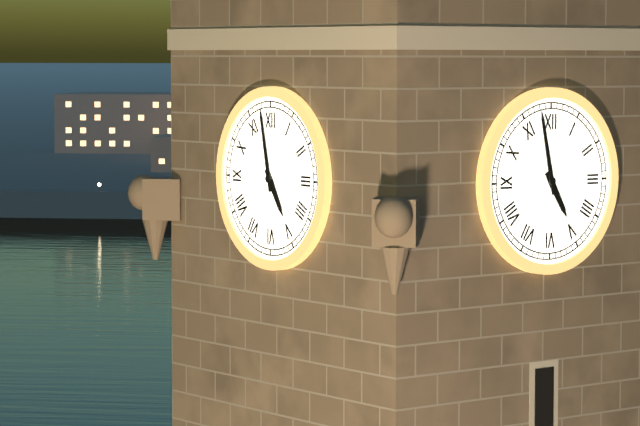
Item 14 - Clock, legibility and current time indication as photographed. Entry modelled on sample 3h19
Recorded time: 4h58
